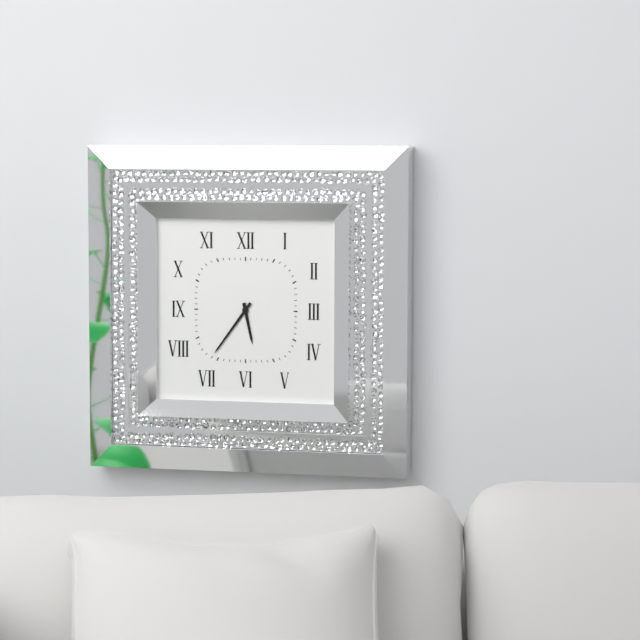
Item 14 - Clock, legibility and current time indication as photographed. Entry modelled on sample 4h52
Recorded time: 5h36
